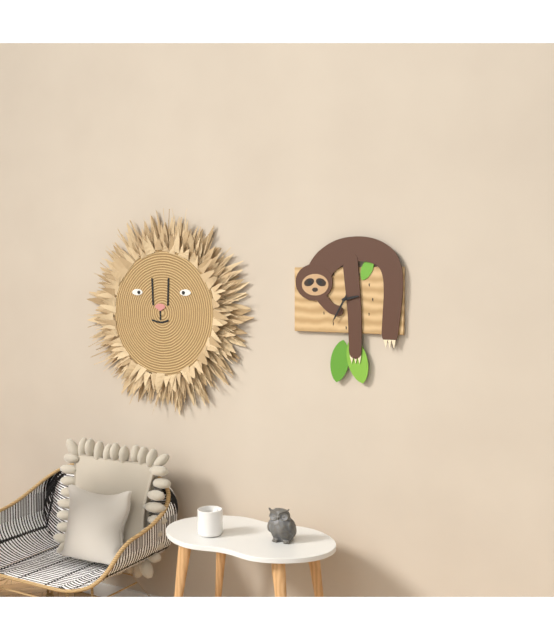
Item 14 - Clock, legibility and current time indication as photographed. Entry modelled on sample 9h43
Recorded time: 2h35
